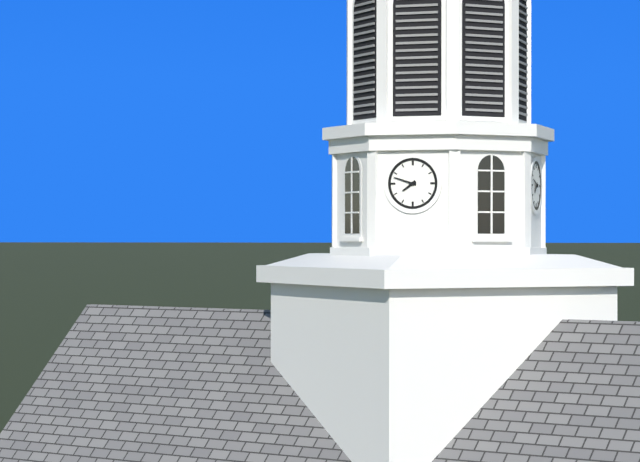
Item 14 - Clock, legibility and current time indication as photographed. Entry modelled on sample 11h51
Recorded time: 7h48
